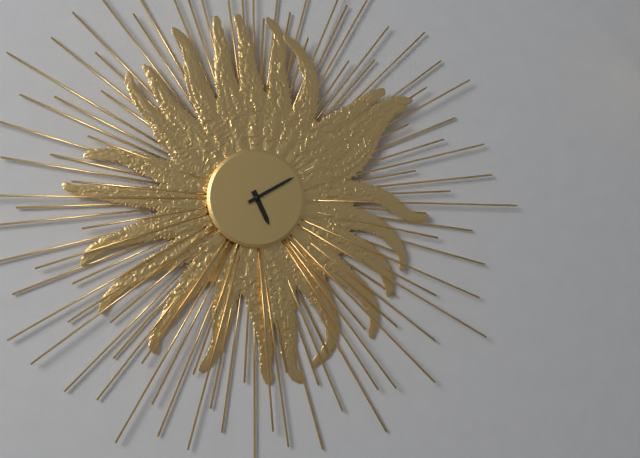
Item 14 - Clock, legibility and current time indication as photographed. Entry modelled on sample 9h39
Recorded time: 5h10
